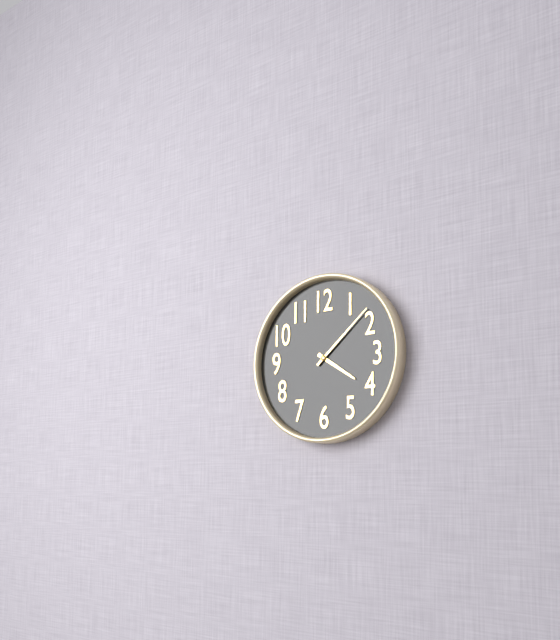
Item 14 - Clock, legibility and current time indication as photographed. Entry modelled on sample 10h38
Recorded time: 4h08
